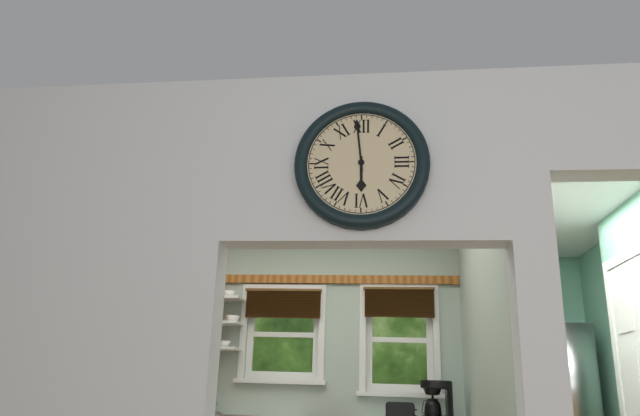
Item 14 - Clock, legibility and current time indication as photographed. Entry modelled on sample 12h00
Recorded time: 5h59
